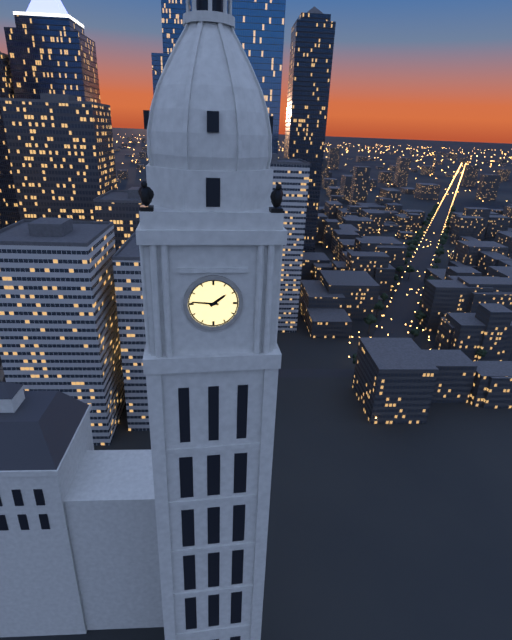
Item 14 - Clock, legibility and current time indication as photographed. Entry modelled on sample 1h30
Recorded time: 1h46
